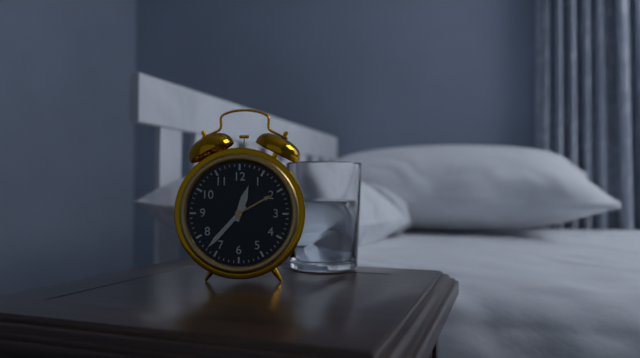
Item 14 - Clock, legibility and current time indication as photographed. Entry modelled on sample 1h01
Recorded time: 12h37
